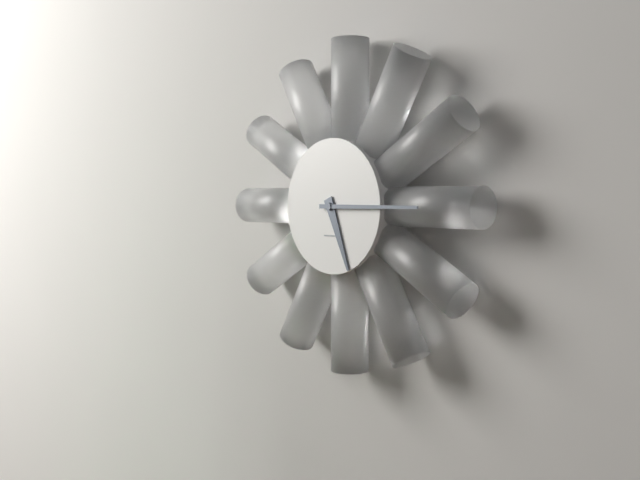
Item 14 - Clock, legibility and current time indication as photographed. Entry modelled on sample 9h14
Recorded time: 5h15
